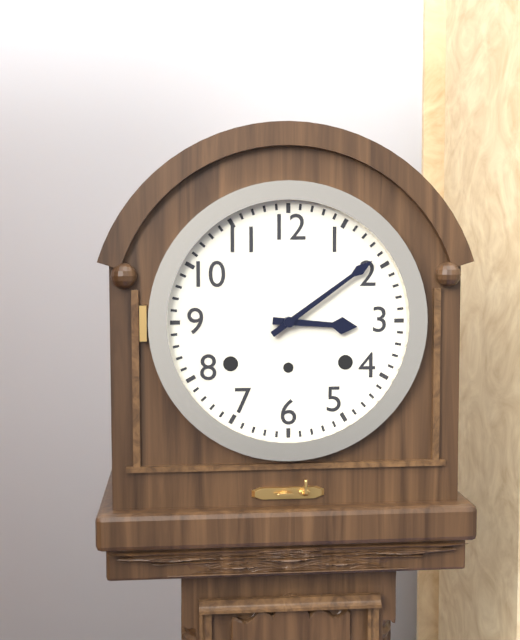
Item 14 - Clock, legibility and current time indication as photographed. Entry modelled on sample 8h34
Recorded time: 3h09
